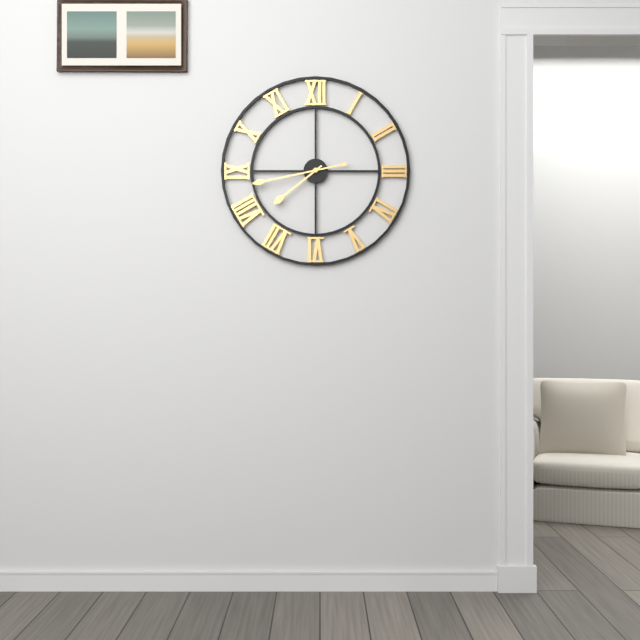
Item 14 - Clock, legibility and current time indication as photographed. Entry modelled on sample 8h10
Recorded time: 7h43
